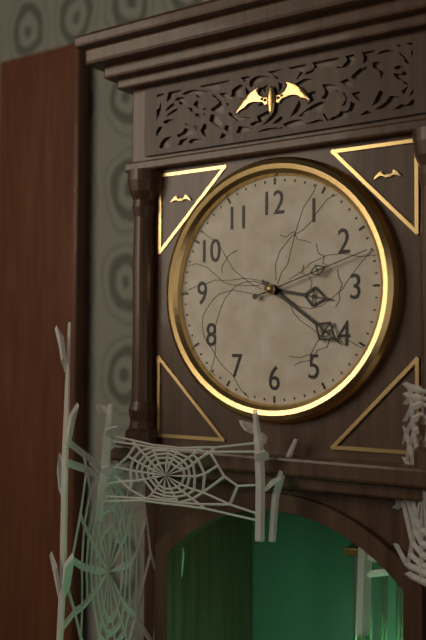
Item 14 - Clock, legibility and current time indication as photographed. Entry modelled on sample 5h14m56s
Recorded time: 3h21m12s
